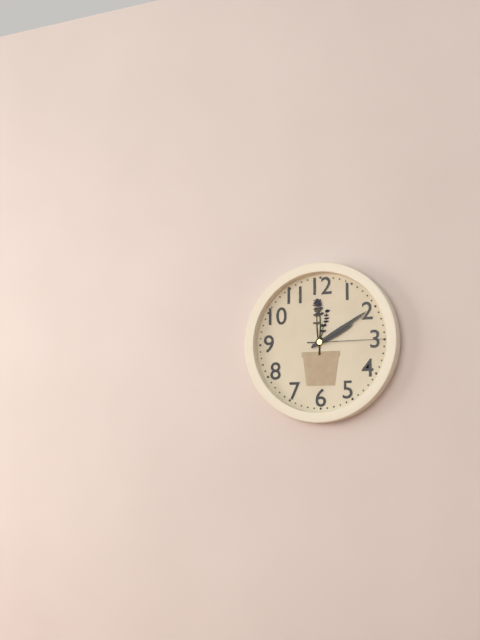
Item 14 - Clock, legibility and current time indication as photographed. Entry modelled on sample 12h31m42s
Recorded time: 2h10m15s
